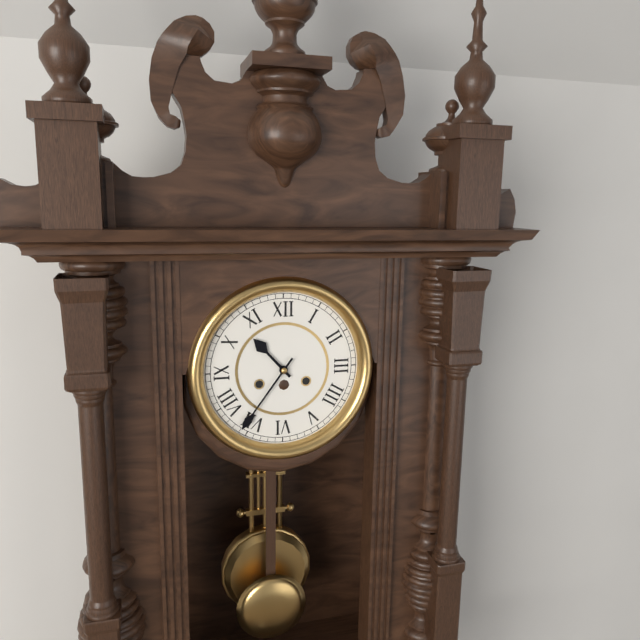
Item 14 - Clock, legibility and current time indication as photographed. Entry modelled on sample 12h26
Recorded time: 10h36
